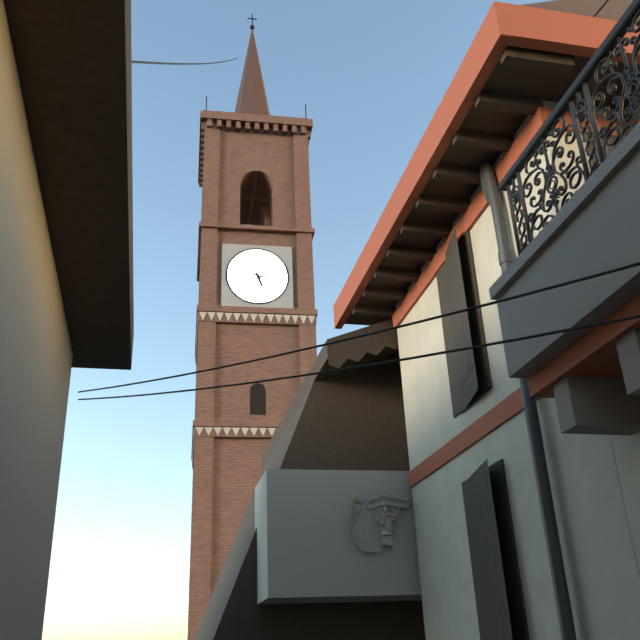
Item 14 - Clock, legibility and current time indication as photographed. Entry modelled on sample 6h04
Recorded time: 5h18
